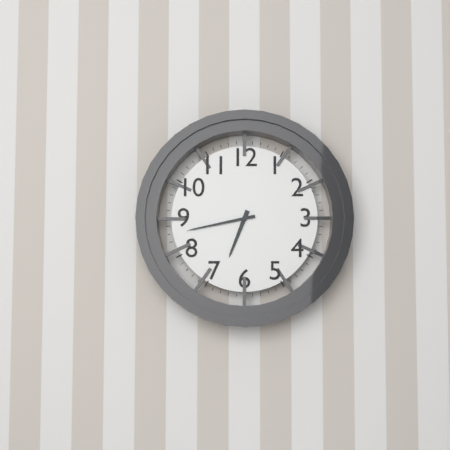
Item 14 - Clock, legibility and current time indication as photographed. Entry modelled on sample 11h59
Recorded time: 6h43
